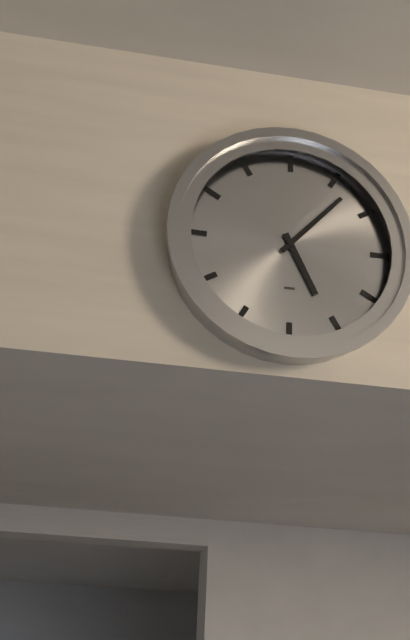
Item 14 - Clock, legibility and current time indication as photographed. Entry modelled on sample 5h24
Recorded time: 5h07
